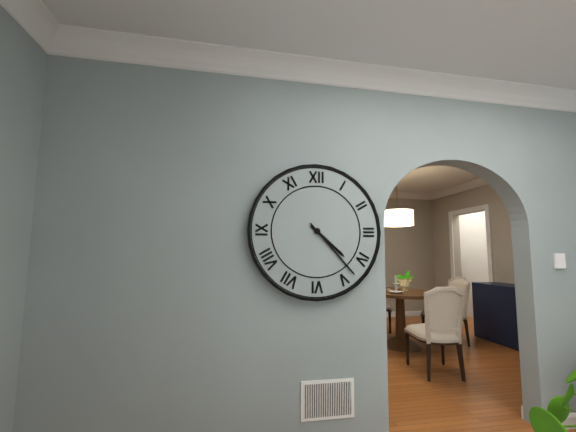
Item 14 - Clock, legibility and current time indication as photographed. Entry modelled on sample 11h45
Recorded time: 4h23
